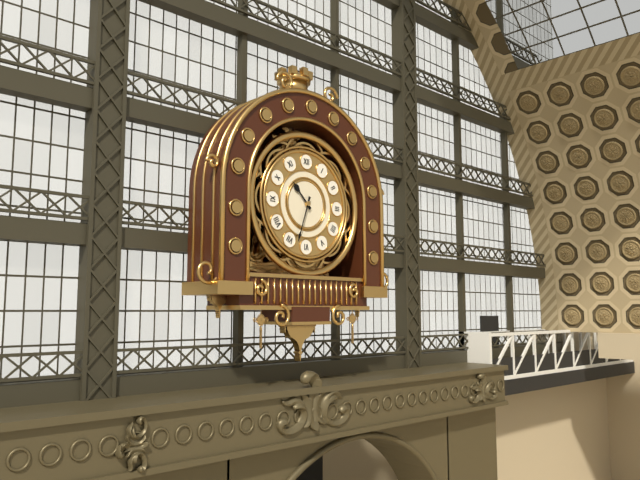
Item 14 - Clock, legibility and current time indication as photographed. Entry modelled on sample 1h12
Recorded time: 10h33
